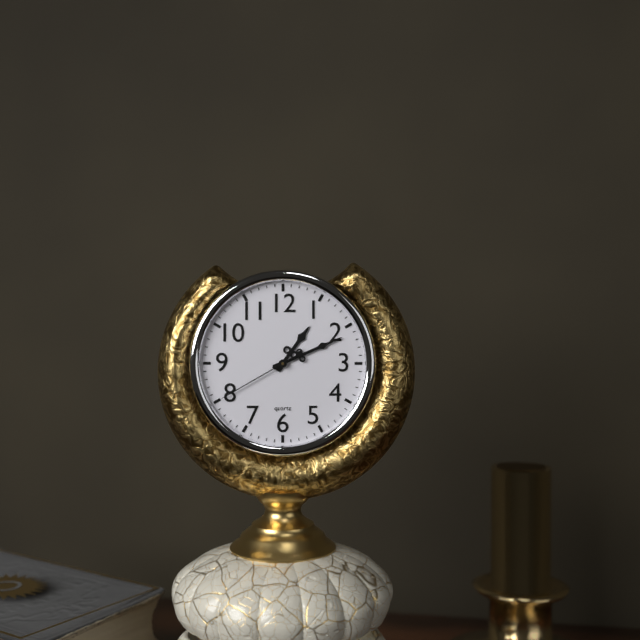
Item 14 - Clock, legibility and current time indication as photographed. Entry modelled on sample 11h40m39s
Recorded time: 1h11m40s
